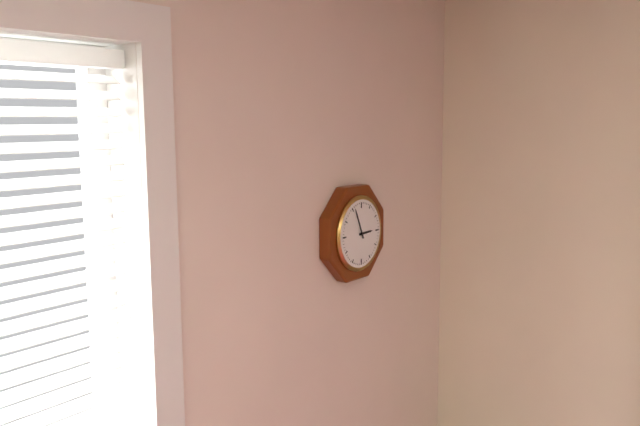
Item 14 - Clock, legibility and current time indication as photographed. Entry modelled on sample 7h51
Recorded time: 2h56
